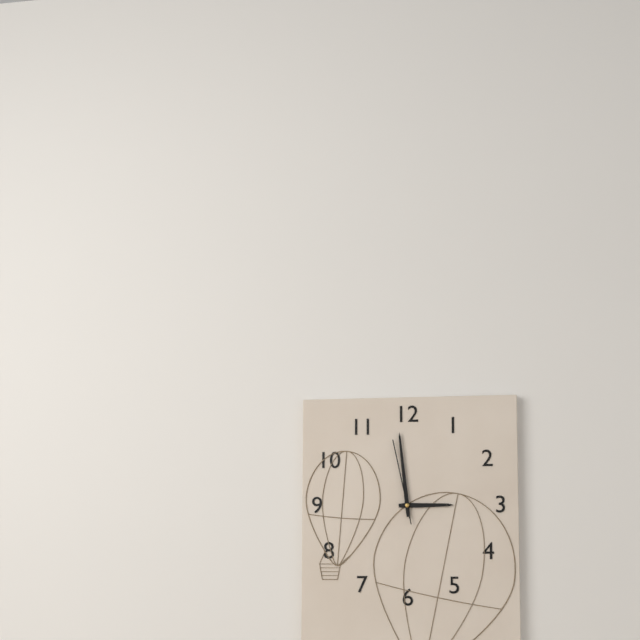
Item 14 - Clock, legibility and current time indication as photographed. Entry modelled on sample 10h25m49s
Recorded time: 2h59m58s
